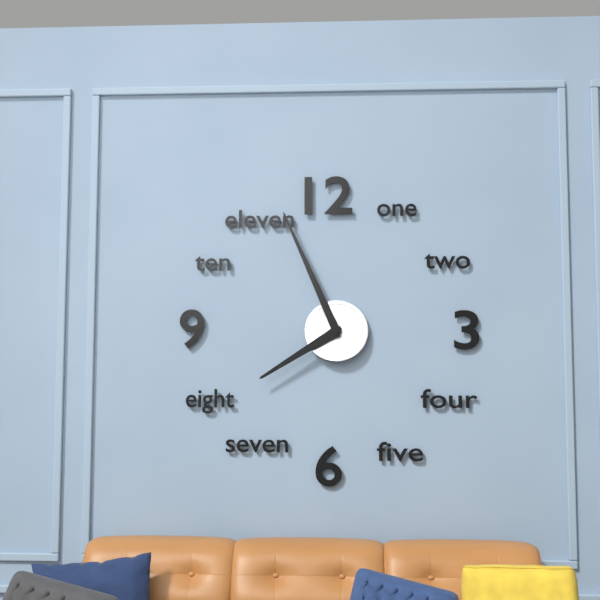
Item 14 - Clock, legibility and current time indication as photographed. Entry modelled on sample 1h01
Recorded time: 7h56
